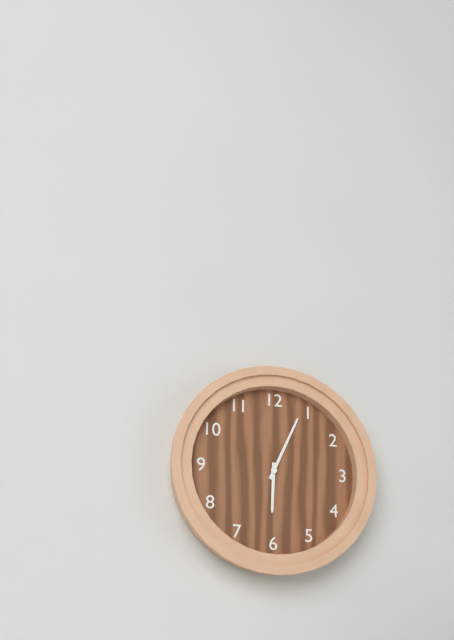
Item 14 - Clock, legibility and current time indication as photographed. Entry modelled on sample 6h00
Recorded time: 6h04
